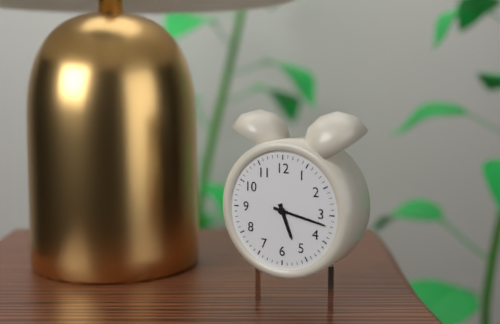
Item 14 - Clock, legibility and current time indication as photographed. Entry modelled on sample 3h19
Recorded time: 5h17
